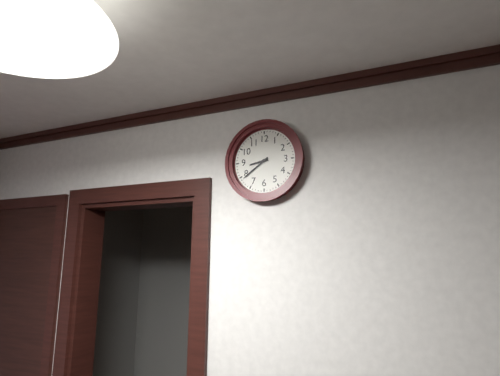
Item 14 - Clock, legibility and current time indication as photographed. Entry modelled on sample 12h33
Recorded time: 8h39
